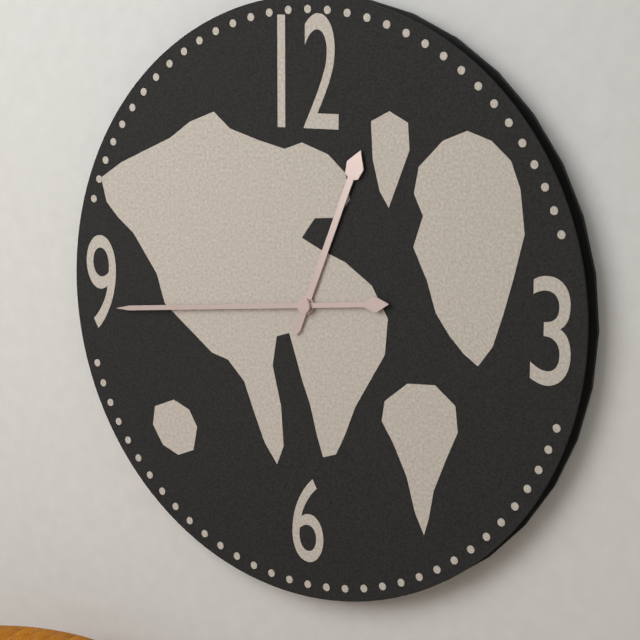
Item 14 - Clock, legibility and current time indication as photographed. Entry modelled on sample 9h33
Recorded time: 12h44
